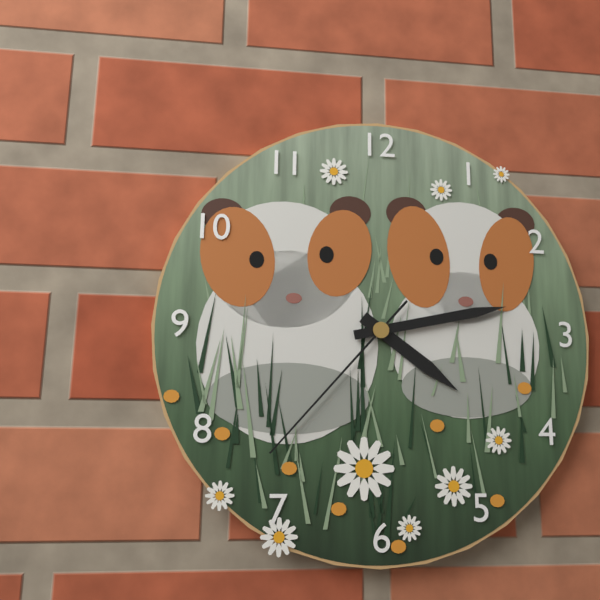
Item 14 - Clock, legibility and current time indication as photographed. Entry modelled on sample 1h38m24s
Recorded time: 4h13m37s
